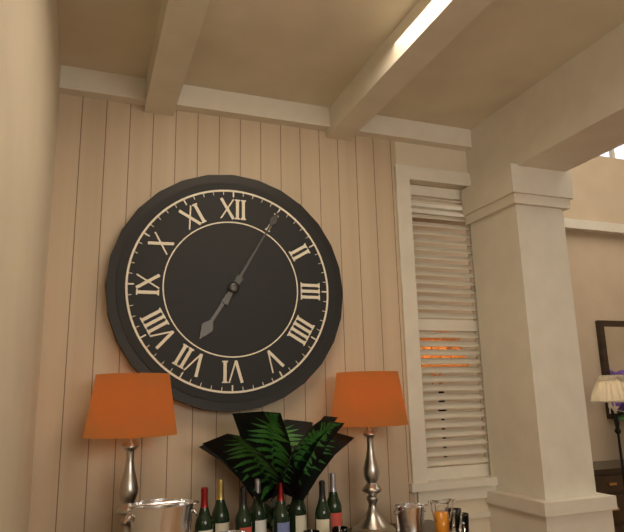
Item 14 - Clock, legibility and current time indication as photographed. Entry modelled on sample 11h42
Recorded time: 7h05
